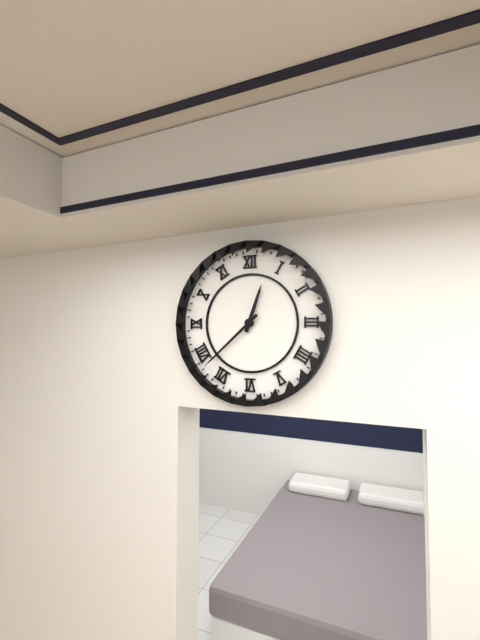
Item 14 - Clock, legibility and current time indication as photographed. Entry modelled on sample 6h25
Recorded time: 12h38
